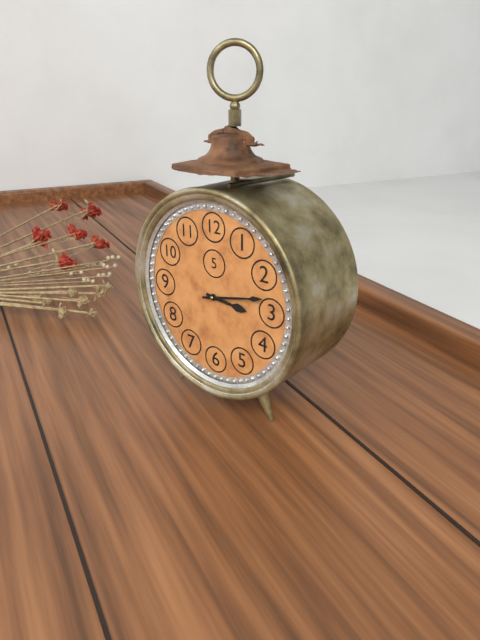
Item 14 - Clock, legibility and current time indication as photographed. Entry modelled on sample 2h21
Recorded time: 3h13
